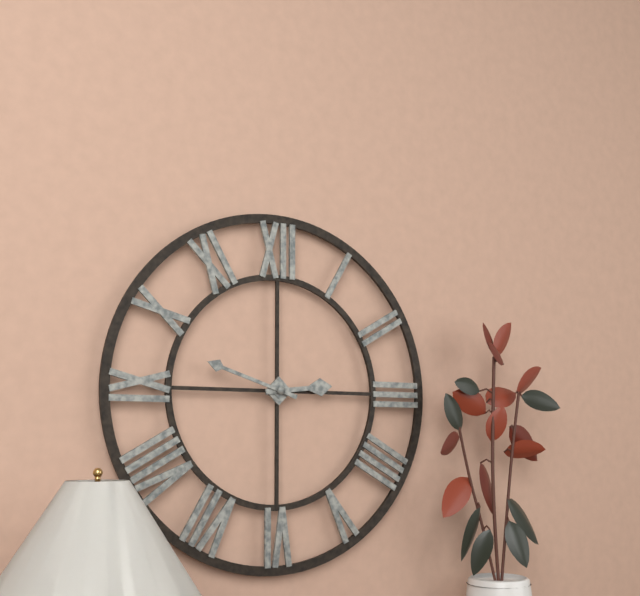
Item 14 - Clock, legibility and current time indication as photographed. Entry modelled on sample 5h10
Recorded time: 2h48
